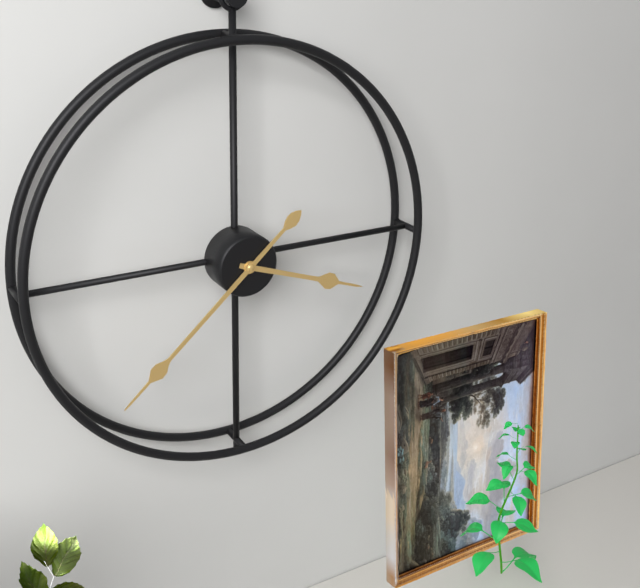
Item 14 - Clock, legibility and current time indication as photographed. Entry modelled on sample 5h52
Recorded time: 3h38
